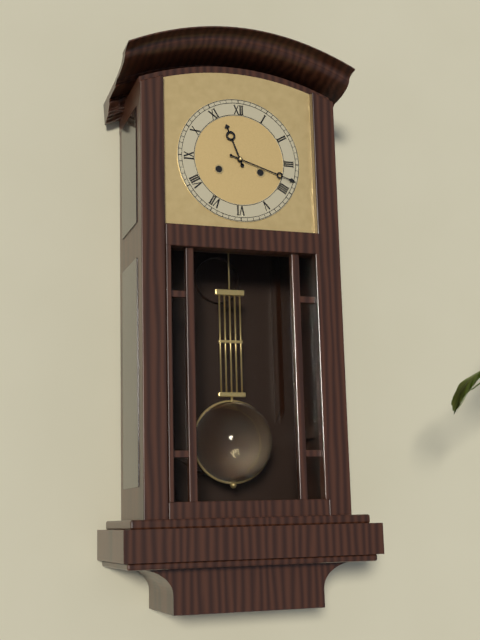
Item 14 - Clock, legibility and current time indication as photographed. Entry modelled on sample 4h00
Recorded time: 11h18
